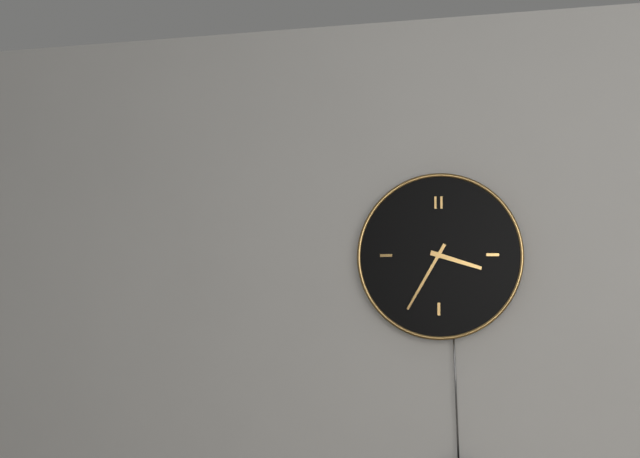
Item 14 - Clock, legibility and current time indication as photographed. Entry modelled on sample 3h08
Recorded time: 3h35
